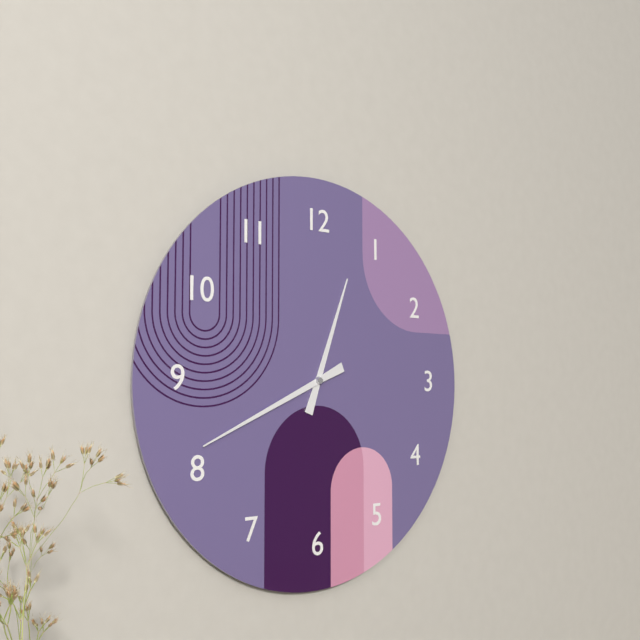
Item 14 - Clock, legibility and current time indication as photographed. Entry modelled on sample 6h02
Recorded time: 12h41
